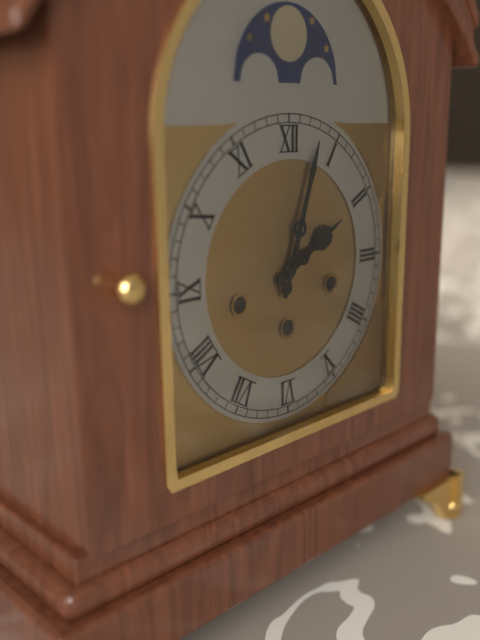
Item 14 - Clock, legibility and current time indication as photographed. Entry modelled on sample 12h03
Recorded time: 2h03
